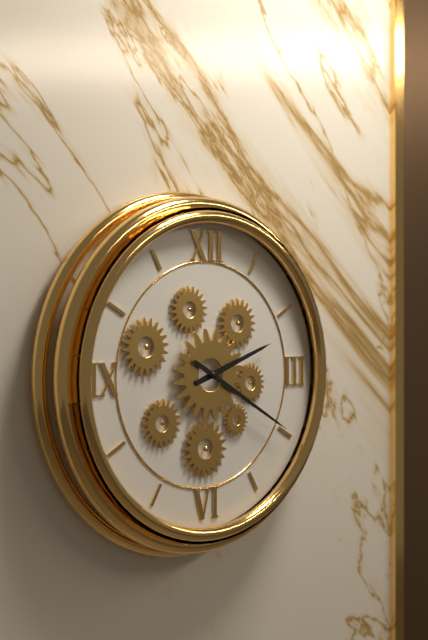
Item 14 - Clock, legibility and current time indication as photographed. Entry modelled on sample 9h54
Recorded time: 2h20
